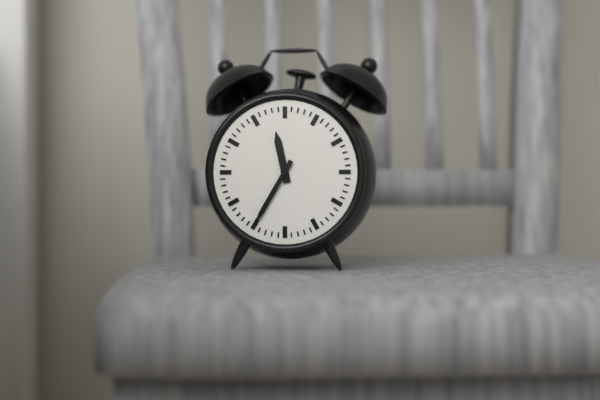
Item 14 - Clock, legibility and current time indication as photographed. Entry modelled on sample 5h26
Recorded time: 11h35
